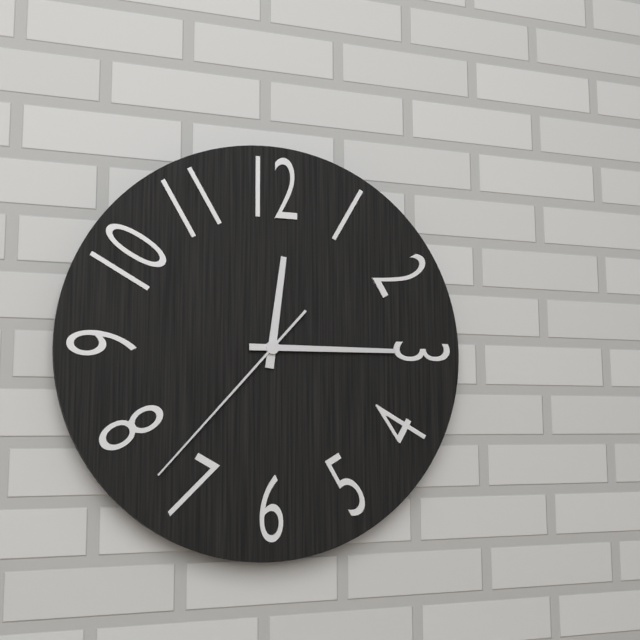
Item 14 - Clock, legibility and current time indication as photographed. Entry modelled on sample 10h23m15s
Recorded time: 12h15m37s
